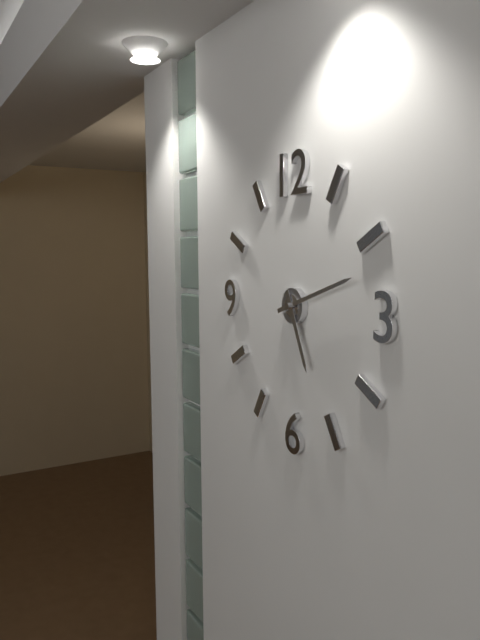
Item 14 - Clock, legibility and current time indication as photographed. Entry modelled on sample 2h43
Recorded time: 5h12
